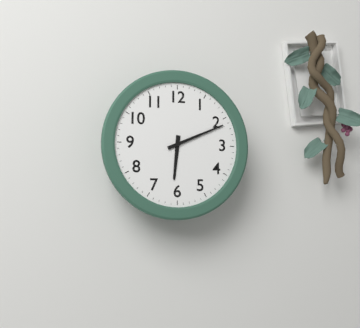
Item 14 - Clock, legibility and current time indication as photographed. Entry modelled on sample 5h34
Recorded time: 6h11
